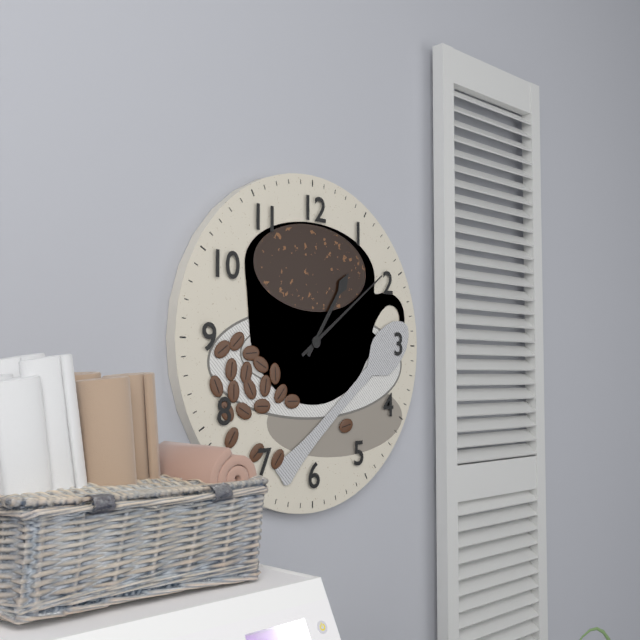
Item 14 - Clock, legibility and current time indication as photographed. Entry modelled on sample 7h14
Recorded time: 1h09
